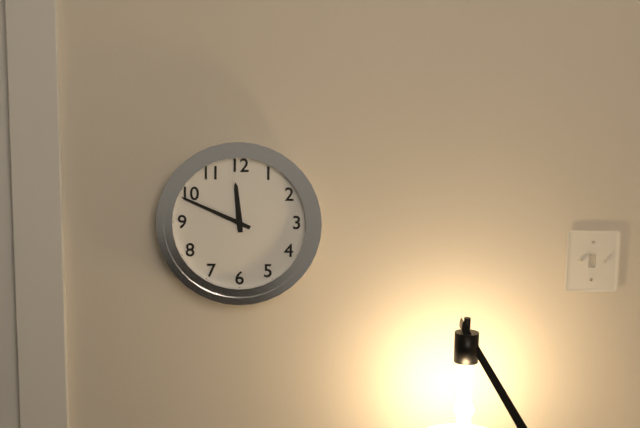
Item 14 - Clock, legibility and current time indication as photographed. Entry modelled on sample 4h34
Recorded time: 11h49
